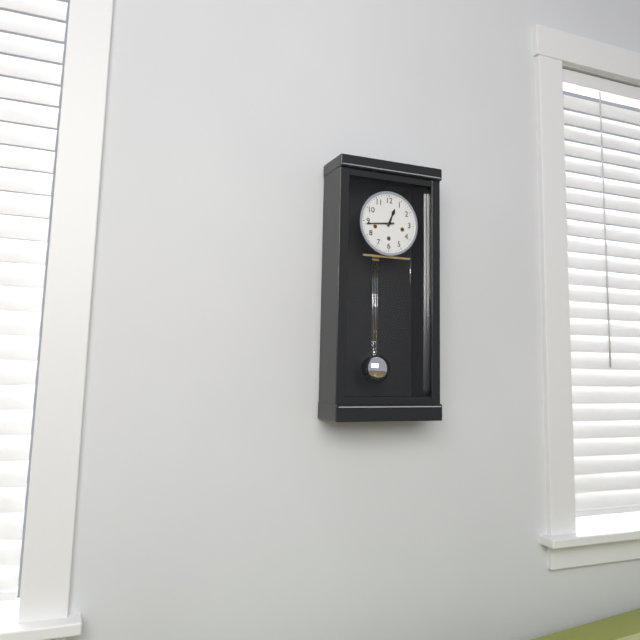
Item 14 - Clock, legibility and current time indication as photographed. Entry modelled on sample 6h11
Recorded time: 12h44
